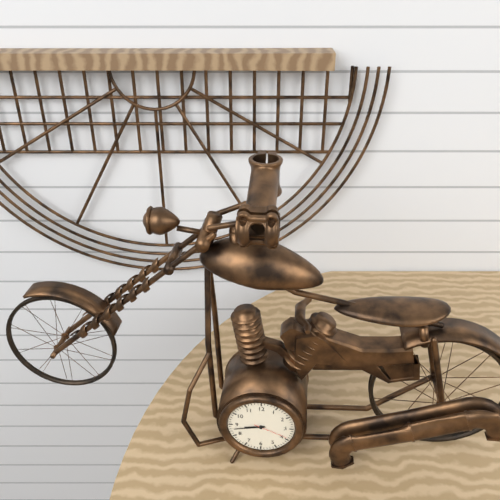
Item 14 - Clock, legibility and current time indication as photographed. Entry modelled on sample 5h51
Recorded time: 8h43
